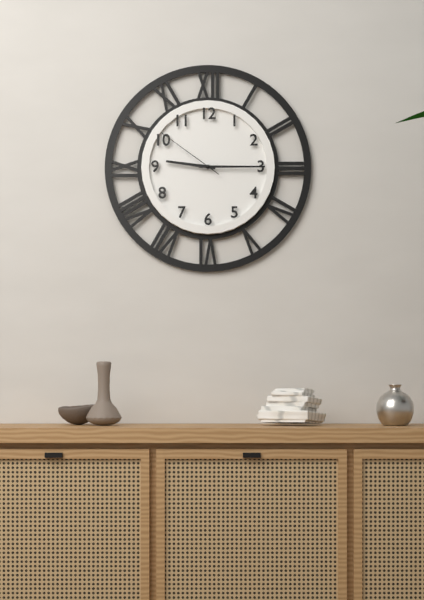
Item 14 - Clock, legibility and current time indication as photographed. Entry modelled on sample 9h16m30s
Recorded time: 9h15m51s
